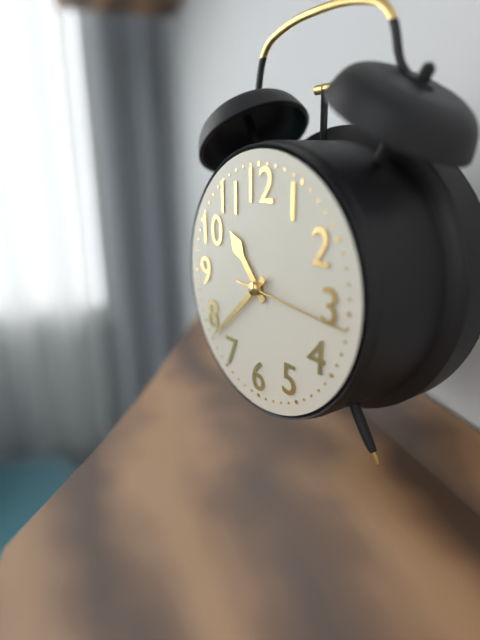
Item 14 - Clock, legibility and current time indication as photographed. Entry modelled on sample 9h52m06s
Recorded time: 10h38m16s
